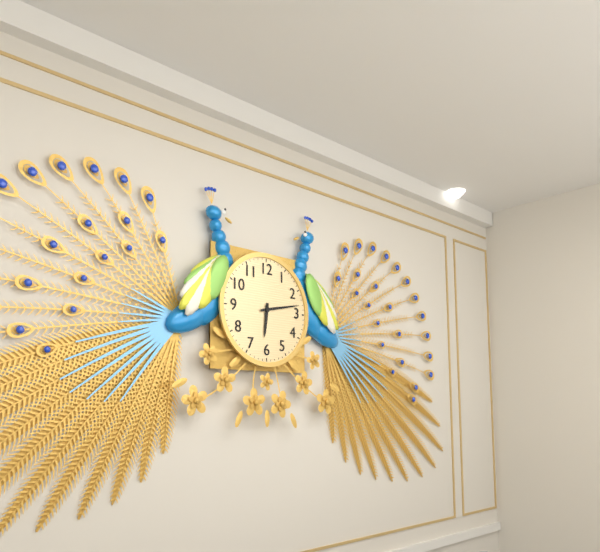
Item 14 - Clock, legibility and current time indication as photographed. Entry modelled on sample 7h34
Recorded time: 6h13
